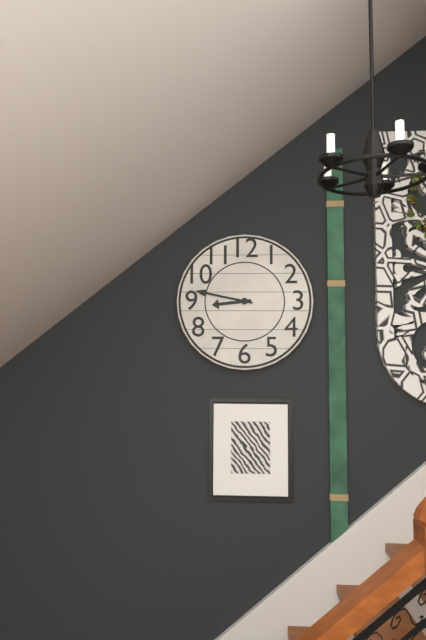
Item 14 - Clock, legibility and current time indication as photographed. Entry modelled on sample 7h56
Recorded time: 8h47
